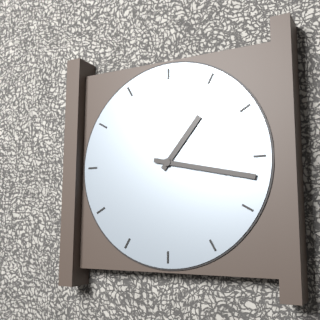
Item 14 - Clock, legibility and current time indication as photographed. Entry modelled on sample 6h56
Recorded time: 1h17
